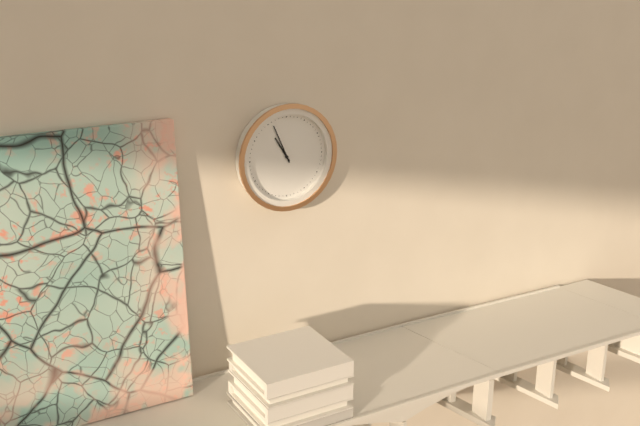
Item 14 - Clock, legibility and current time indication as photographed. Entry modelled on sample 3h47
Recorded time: 10h56
